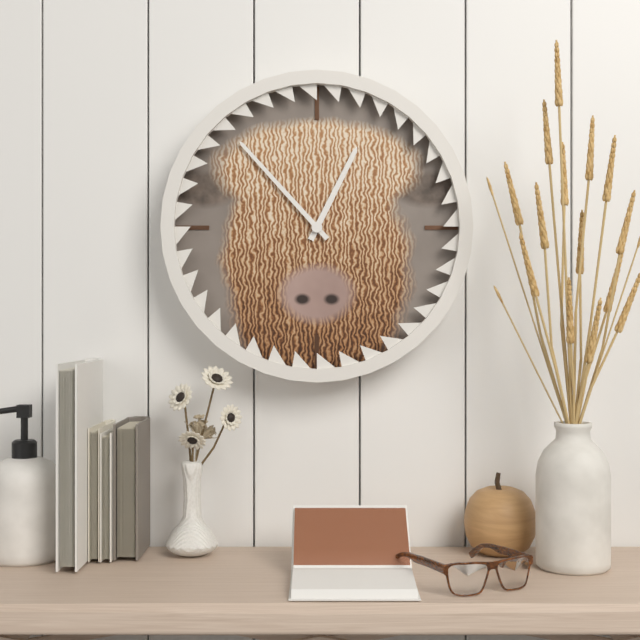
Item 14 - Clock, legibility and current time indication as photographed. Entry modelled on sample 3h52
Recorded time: 12h53
